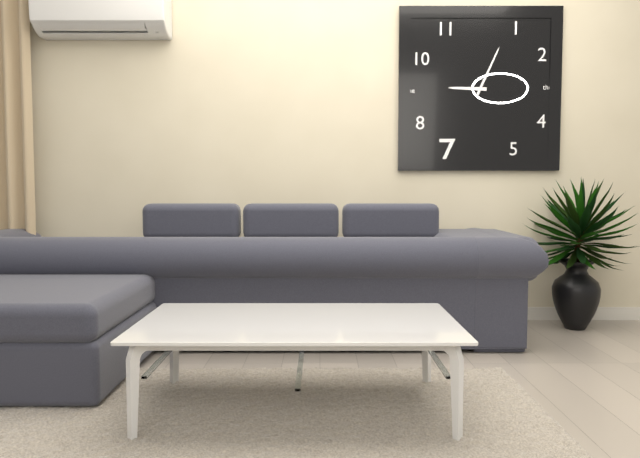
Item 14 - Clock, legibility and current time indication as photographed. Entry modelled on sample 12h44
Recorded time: 9h04
